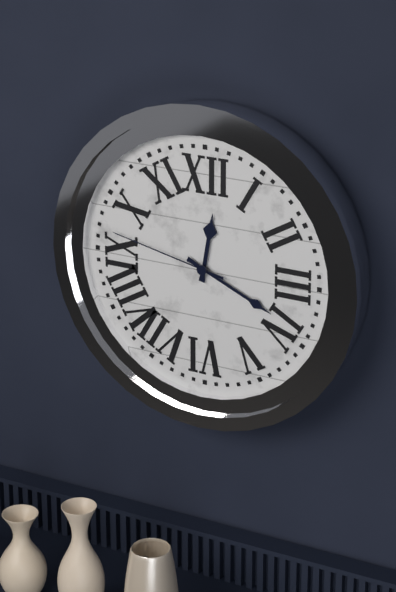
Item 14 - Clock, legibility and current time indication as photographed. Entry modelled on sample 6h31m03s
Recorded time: 12h19m47s
